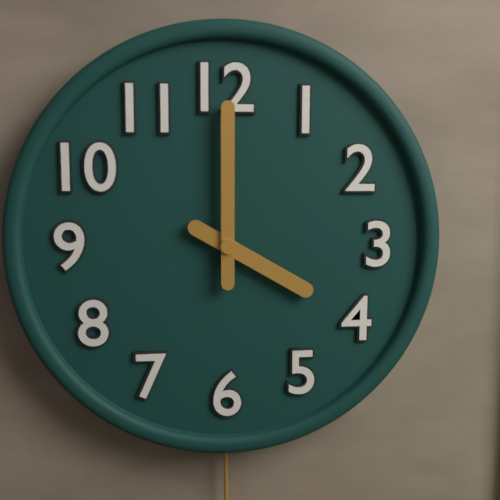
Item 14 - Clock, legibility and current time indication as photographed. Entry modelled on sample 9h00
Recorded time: 4h00
